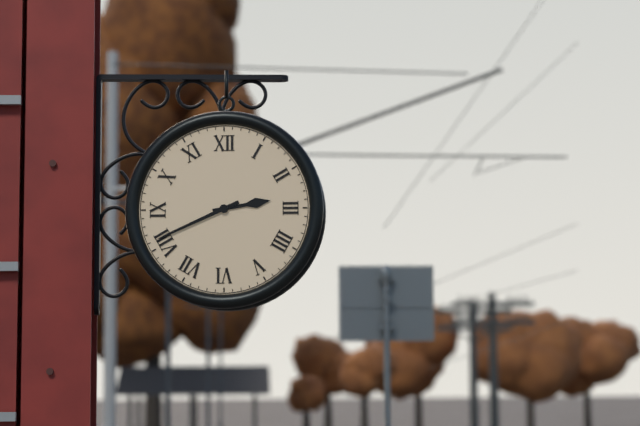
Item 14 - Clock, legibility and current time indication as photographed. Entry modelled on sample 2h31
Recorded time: 2h41
